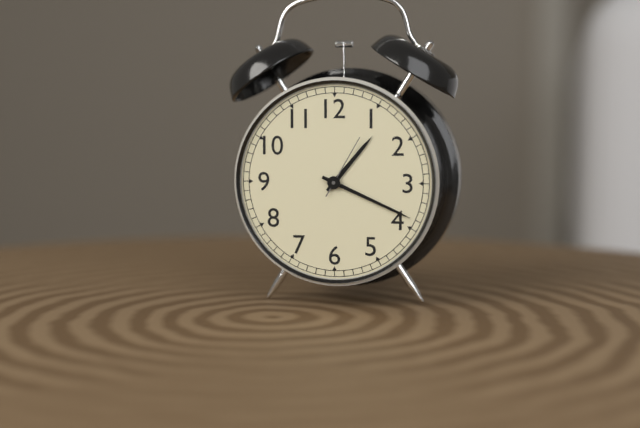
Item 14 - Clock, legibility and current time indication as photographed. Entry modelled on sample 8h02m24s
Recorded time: 1h19m05s
